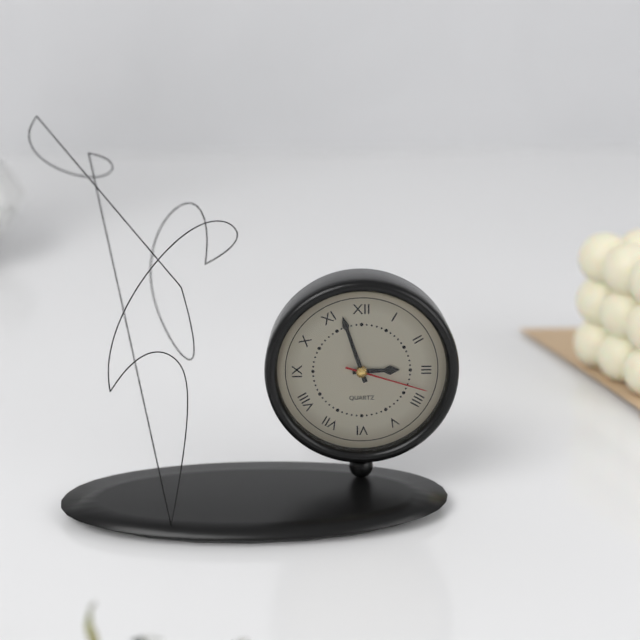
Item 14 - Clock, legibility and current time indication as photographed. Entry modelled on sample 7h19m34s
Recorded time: 2h57m18s
